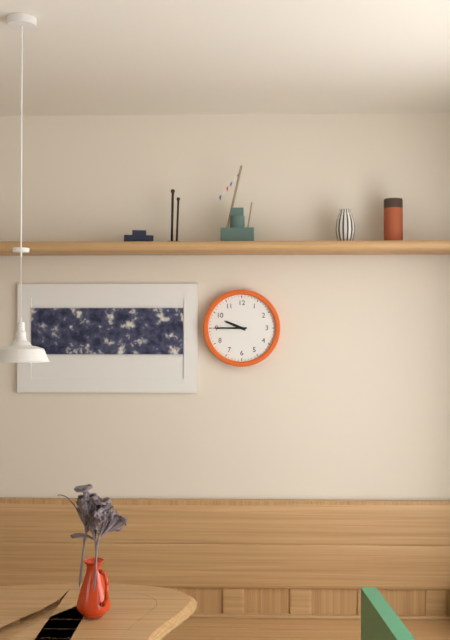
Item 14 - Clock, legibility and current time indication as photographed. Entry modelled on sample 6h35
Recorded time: 9h45
